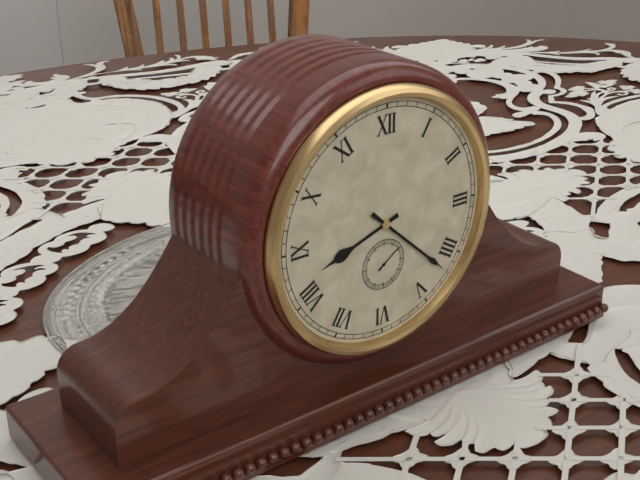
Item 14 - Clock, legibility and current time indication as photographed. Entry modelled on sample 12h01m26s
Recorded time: 8h22m09s
